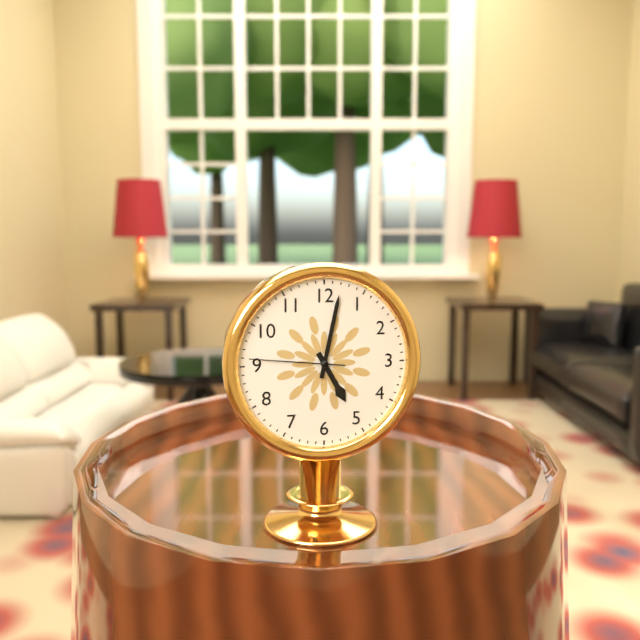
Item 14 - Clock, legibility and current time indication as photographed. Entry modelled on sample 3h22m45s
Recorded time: 5h02m46s
